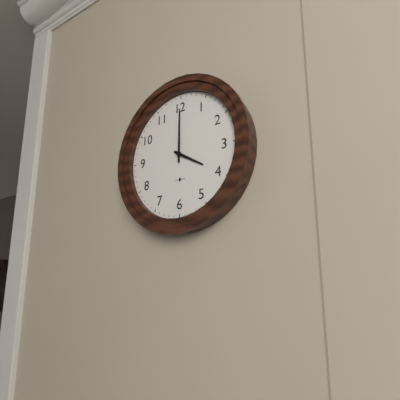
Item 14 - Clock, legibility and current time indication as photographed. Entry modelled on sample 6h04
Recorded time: 4h00
